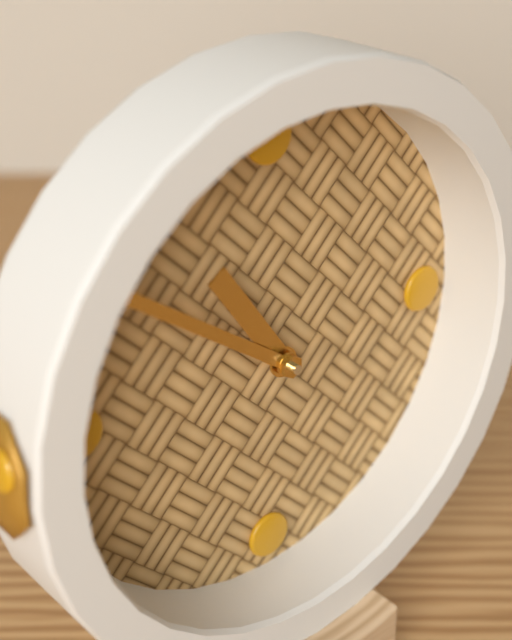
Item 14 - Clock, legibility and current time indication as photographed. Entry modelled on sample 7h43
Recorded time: 10h51
